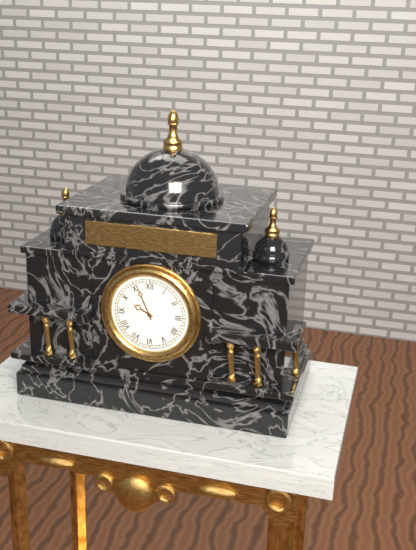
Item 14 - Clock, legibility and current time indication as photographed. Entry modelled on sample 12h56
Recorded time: 9h56
